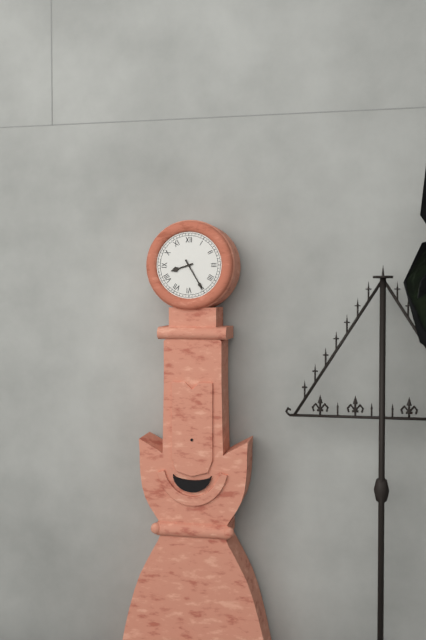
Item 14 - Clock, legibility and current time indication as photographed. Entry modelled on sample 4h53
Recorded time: 8h25
